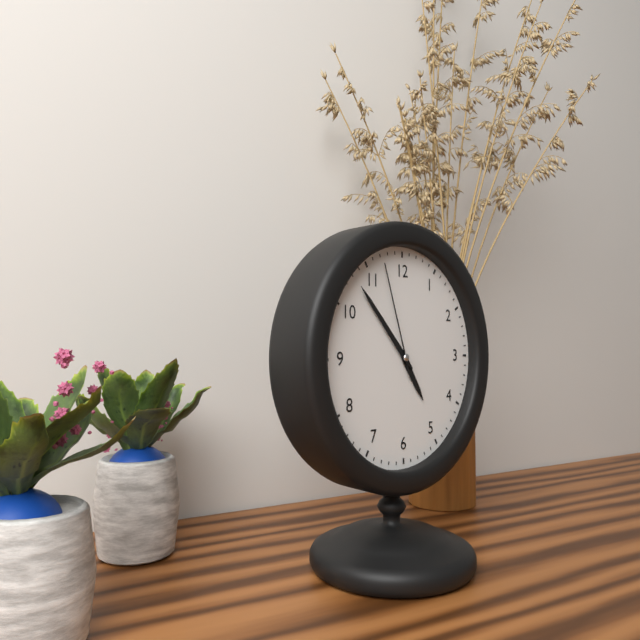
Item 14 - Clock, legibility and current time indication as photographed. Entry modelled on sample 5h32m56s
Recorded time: 4h53m57s
